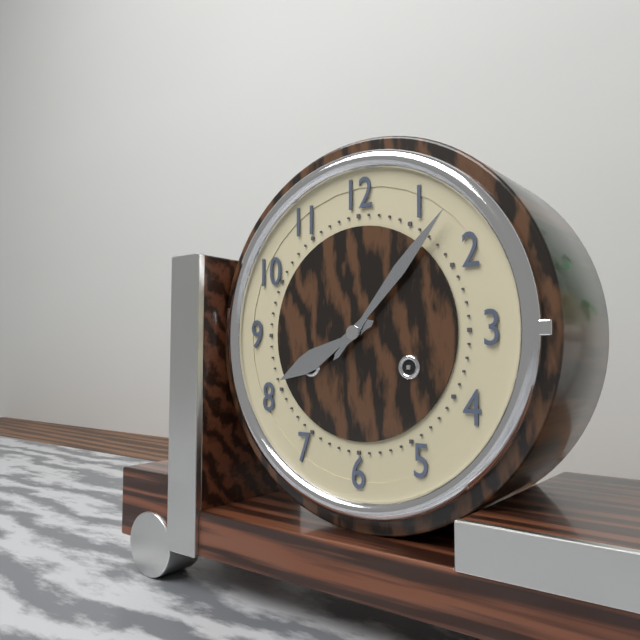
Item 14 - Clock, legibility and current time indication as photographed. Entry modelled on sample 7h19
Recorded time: 8h07
